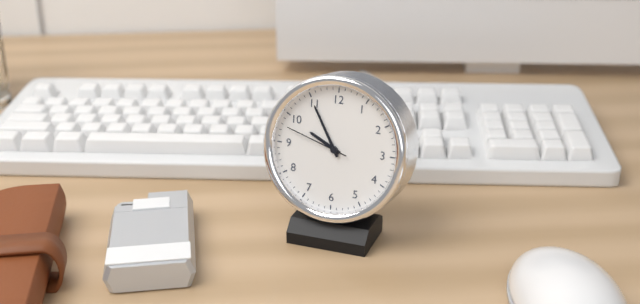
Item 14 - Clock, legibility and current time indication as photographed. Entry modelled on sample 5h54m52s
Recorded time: 9h55m48s
